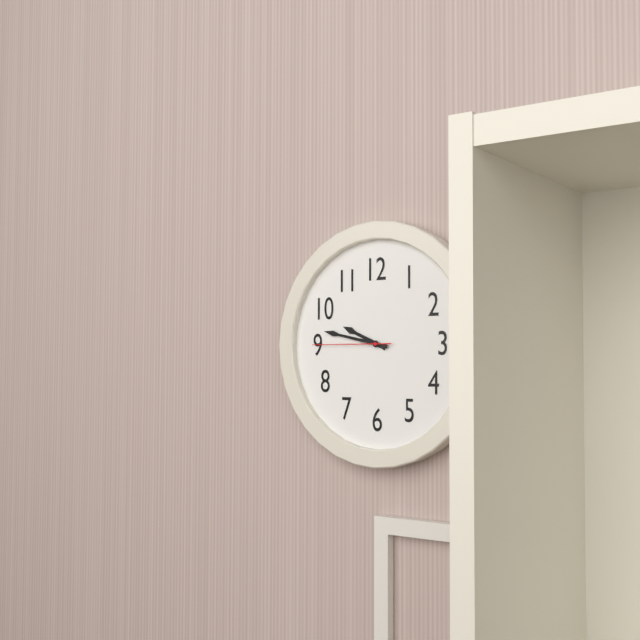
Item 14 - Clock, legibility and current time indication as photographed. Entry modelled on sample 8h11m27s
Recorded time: 9h47m45s
